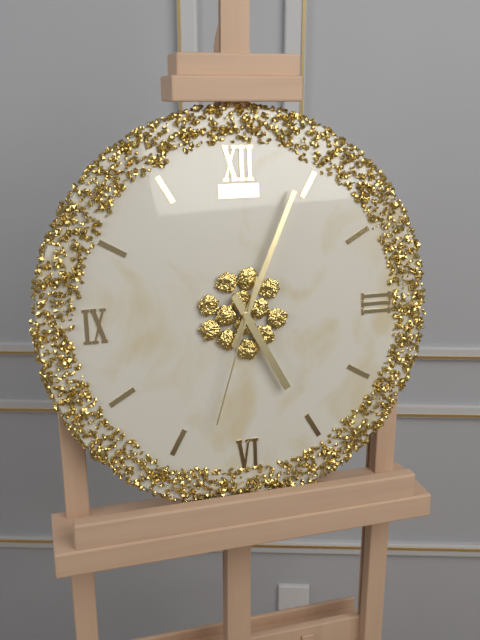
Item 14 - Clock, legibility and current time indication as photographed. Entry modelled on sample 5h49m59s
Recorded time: 5h04m33s
